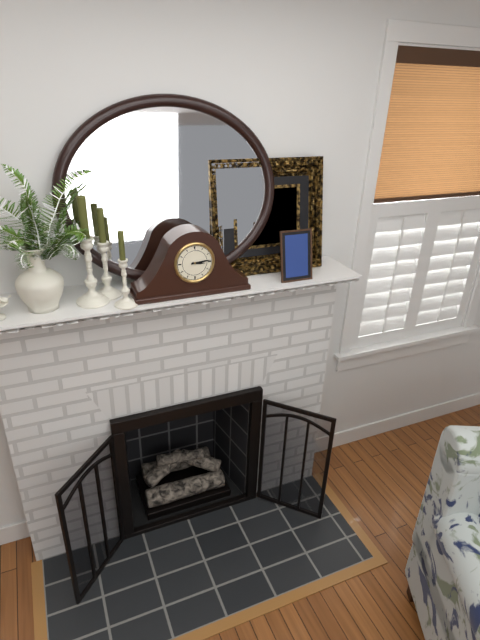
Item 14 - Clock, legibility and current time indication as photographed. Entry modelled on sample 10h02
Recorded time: 3h14
